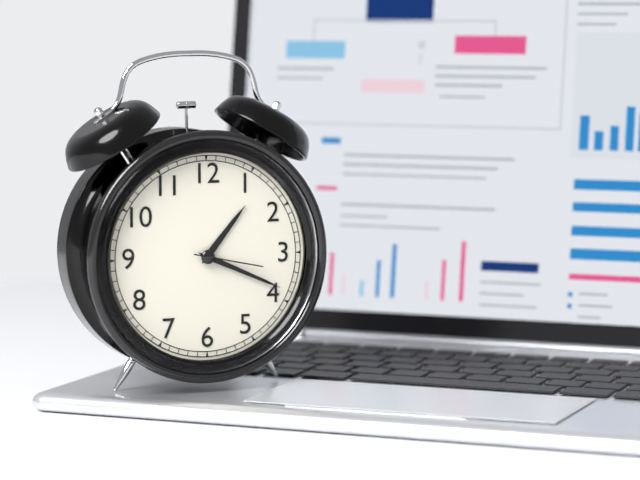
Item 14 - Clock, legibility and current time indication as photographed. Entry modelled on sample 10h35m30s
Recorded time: 1h19m17s
